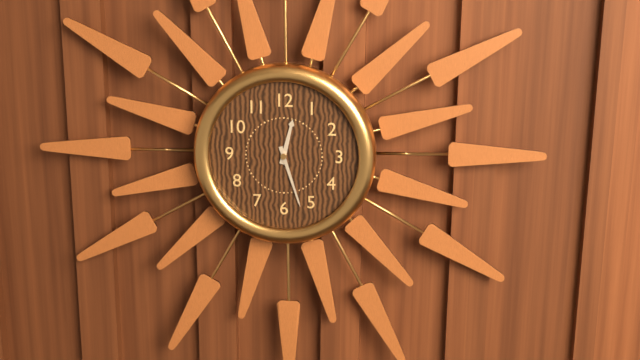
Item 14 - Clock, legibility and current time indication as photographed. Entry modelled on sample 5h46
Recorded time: 12h27
